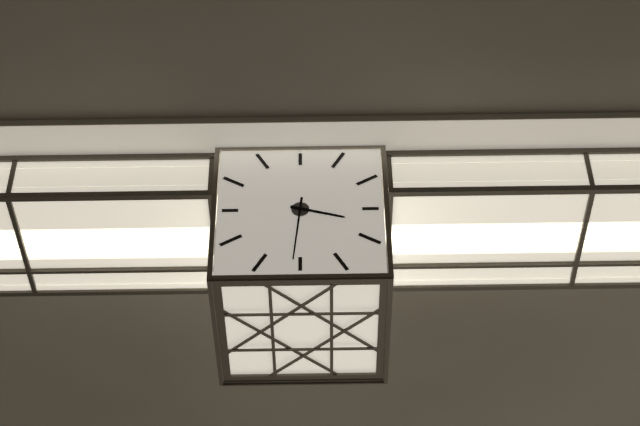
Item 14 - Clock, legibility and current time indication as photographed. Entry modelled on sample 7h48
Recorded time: 3h31
